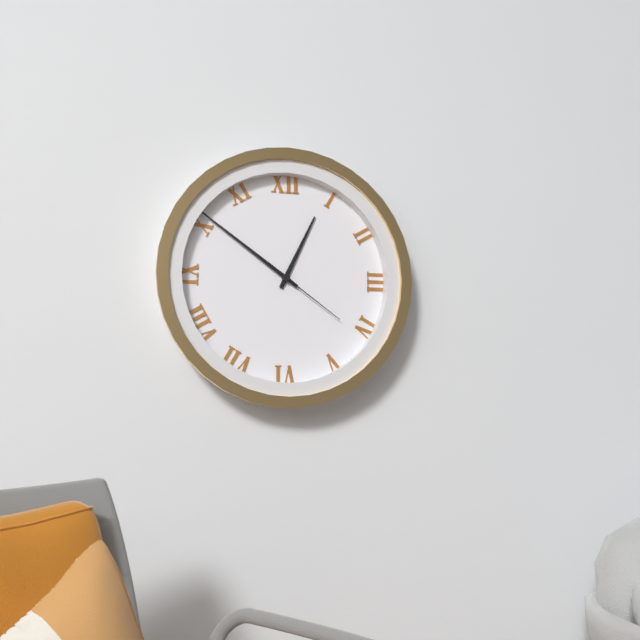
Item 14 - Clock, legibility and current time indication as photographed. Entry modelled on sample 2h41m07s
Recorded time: 12h51m21s
